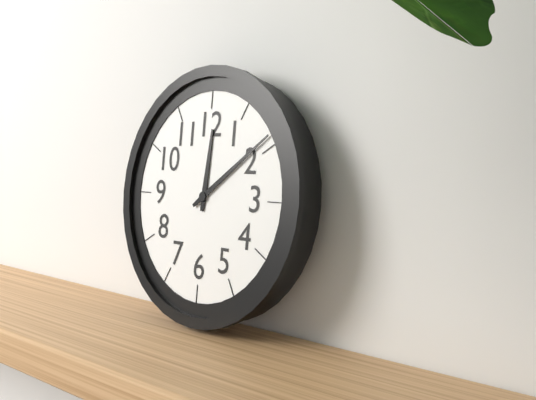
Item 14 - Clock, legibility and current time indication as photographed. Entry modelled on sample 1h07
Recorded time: 12h09
